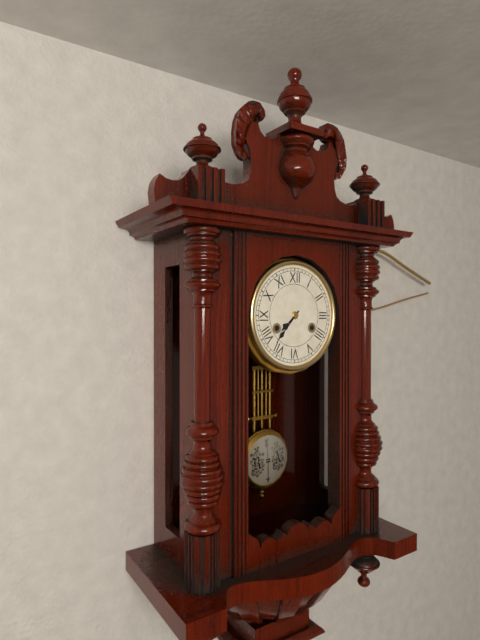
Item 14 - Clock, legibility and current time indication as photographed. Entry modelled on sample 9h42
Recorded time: 7h37
